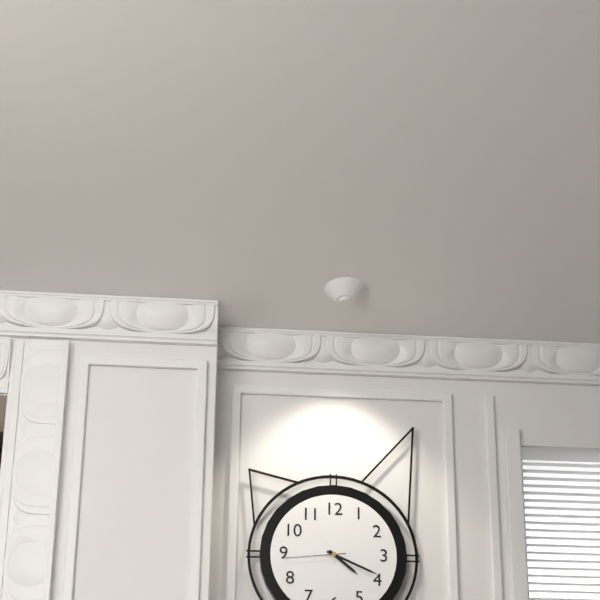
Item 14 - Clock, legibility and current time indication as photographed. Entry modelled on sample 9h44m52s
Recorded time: 4h19m44s
